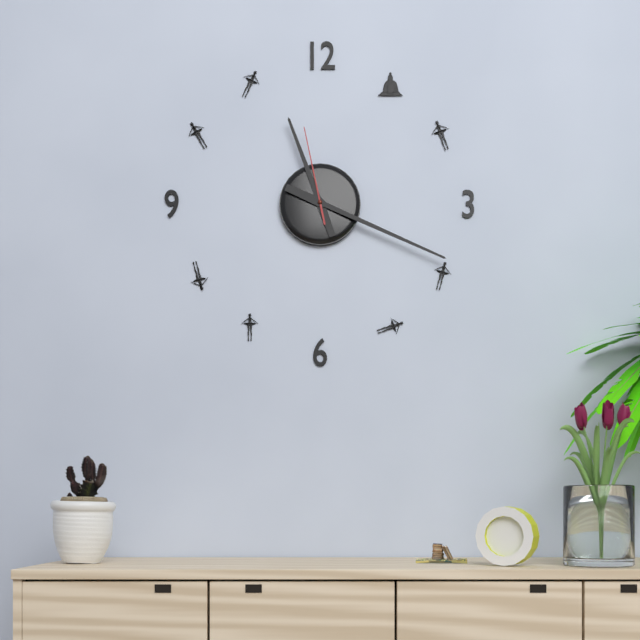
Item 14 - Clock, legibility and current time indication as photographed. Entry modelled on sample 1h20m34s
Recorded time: 11h19m58s
